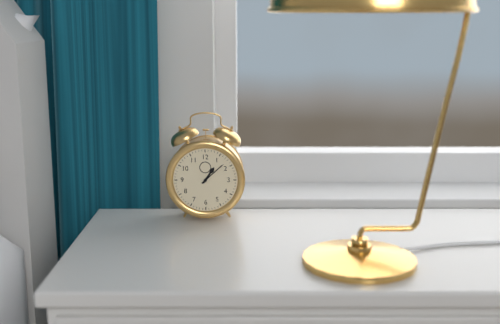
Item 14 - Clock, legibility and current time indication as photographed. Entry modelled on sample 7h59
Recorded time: 1h08
